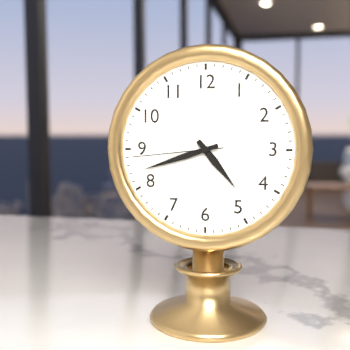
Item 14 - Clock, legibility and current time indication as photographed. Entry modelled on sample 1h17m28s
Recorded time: 4h42m44s
